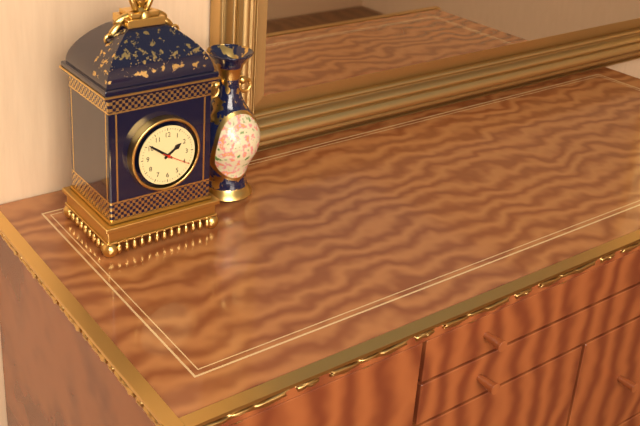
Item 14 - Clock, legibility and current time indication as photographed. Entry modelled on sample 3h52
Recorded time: 1h51
